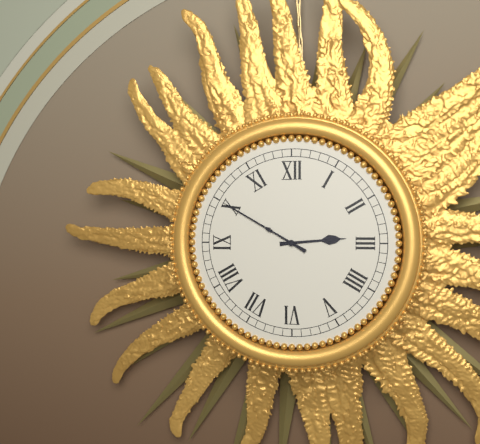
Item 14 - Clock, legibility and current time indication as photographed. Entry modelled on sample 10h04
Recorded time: 2h50
